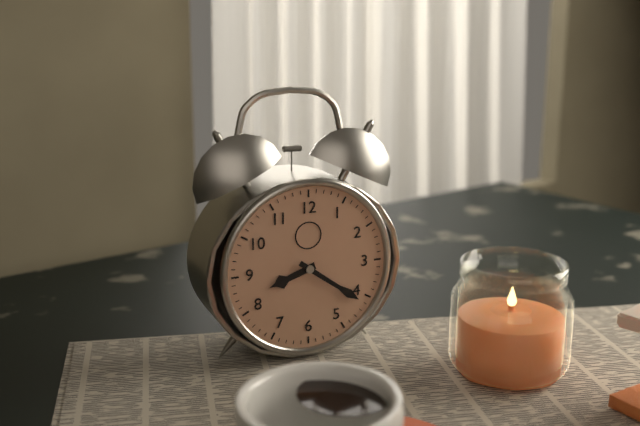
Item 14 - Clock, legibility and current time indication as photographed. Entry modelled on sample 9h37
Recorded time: 8h21
